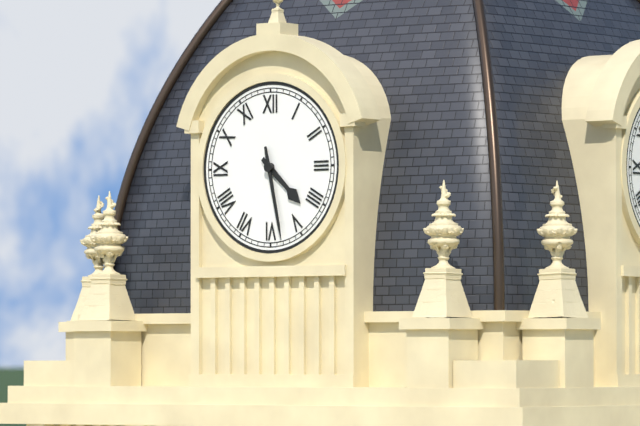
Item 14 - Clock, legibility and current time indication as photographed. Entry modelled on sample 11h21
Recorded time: 4h28
